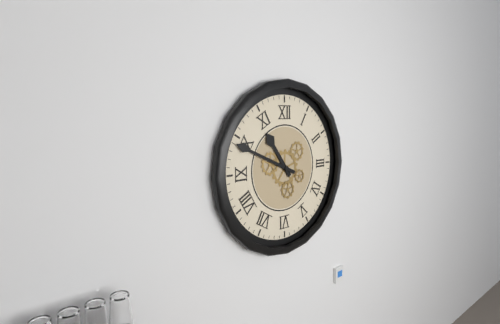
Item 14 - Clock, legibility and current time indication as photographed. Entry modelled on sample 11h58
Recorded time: 10h49
